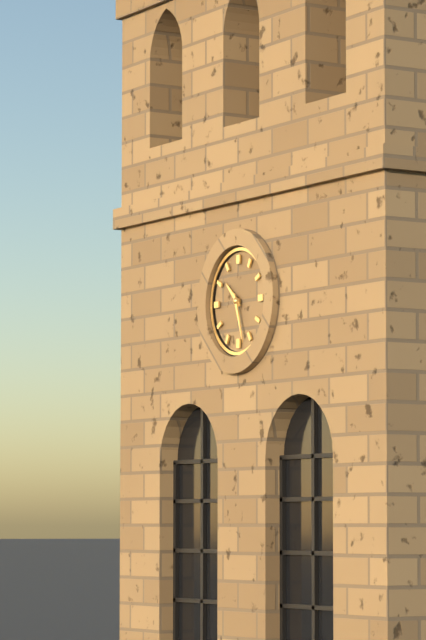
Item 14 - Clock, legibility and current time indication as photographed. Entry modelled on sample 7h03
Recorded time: 10h27
